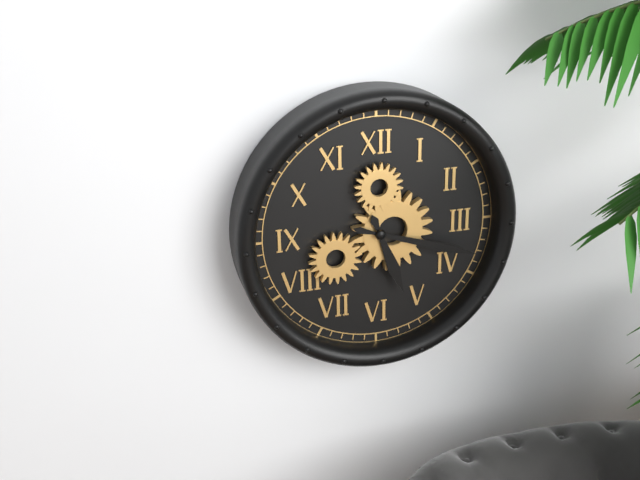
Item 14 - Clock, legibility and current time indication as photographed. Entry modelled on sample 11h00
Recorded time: 5h18
